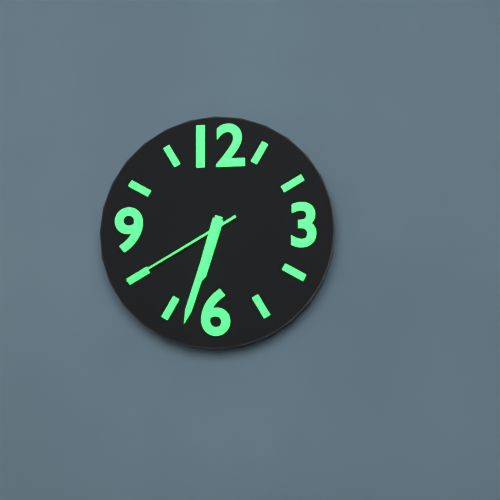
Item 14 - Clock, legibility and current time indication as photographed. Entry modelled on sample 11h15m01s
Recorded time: 6h33m40s
